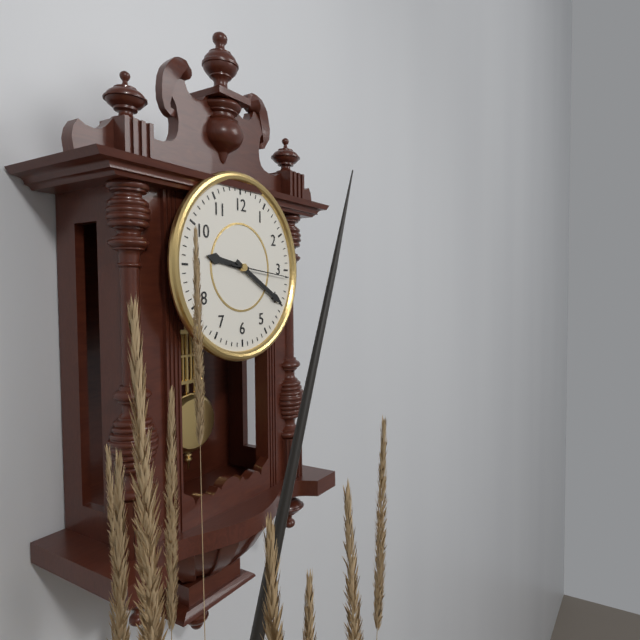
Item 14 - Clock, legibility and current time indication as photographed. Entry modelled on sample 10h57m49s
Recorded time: 9h20m16s
